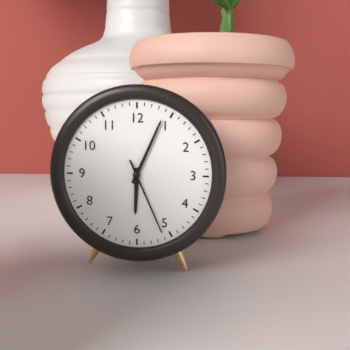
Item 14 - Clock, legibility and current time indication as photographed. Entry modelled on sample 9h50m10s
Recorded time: 6h04m26s
